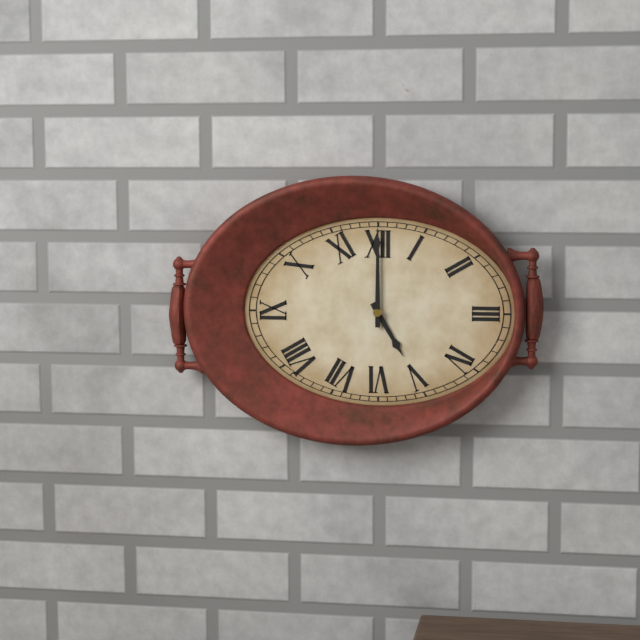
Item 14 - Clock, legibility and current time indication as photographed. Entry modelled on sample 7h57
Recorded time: 5h00
